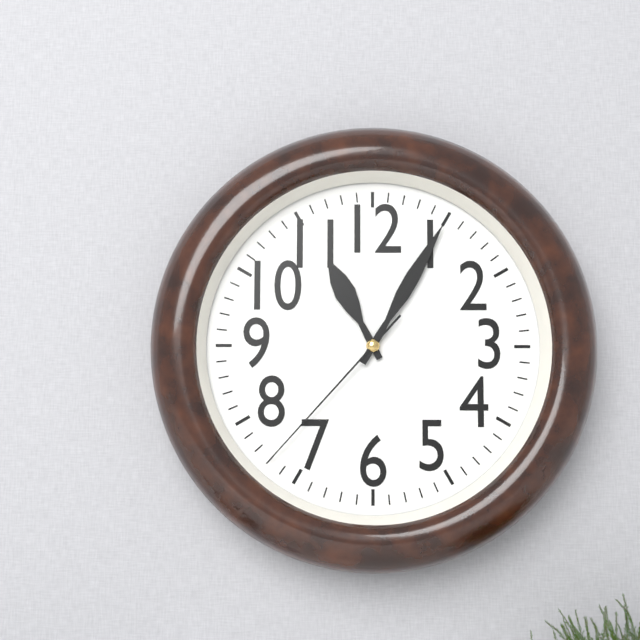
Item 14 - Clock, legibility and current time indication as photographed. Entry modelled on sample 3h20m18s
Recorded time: 11h05m37s
